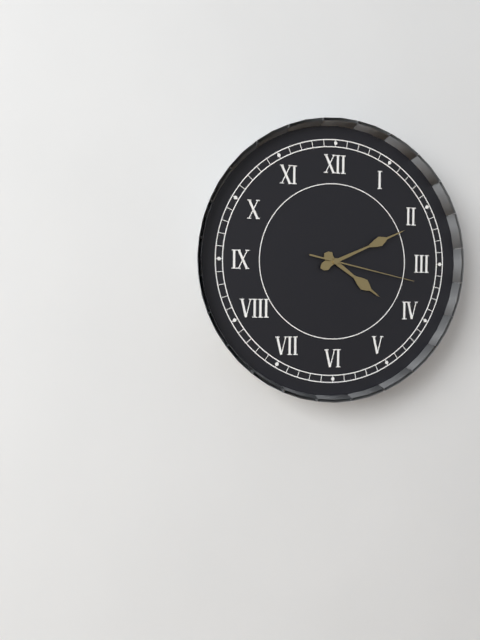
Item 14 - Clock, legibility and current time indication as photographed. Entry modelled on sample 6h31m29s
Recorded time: 4h11m17s
